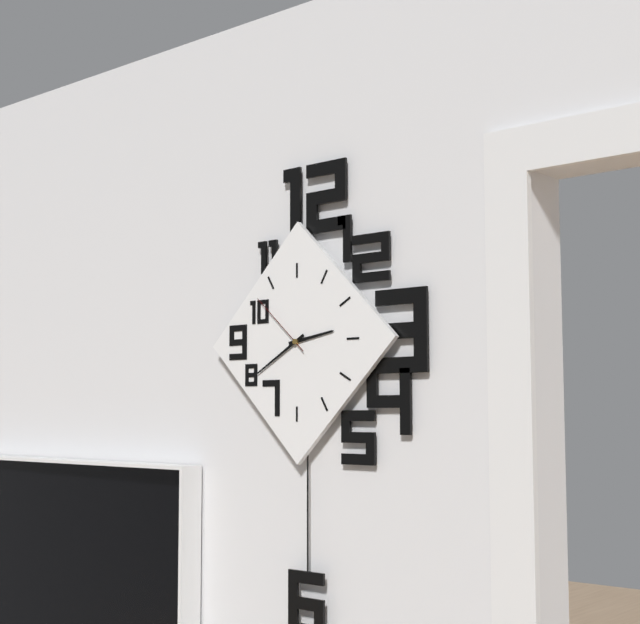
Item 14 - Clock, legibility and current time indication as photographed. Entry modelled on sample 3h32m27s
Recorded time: 2h40m52s
